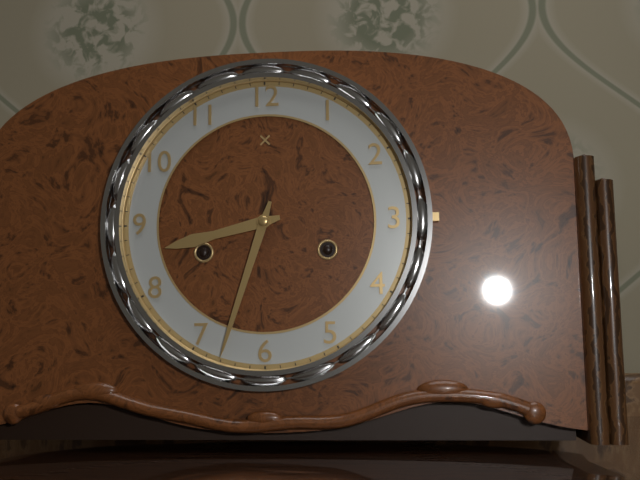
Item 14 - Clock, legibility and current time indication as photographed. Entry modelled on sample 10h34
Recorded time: 8h33
